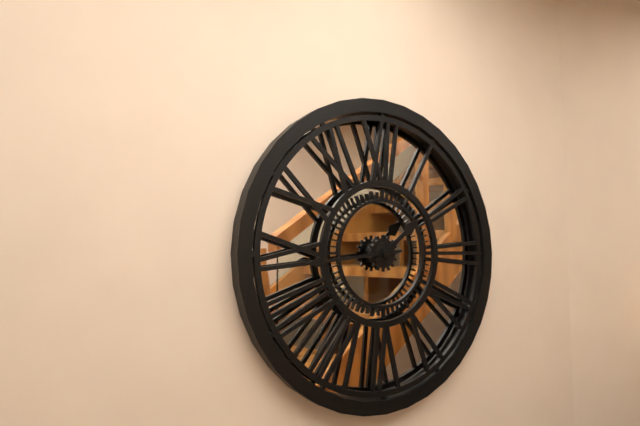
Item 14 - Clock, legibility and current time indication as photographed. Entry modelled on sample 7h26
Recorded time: 1h44
